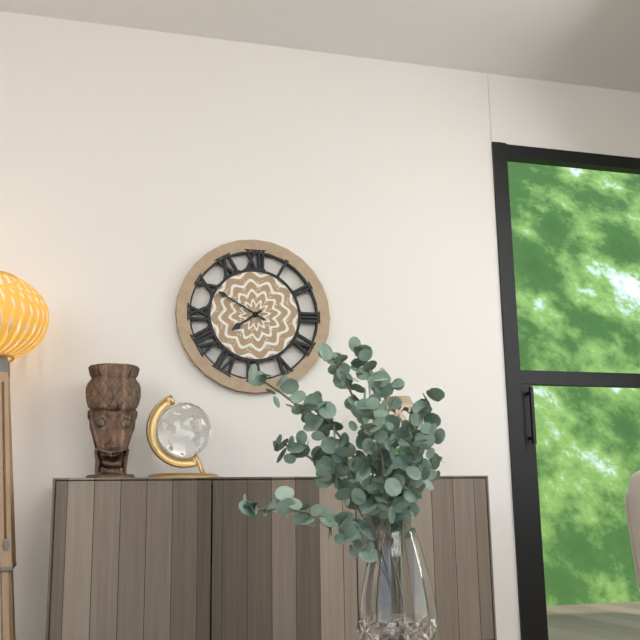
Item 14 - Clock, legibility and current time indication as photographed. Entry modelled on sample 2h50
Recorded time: 7h50
